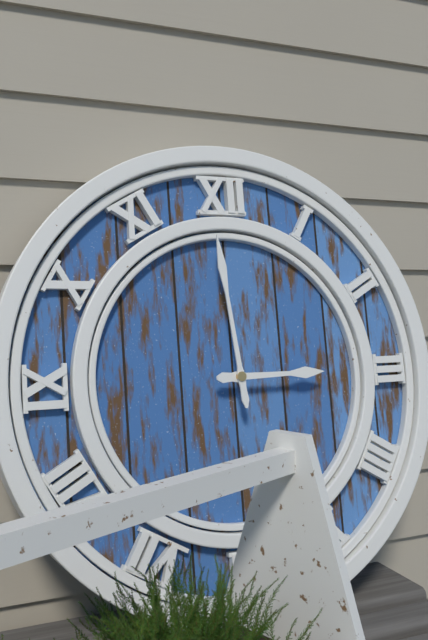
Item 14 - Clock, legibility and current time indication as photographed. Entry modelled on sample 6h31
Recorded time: 2h59
